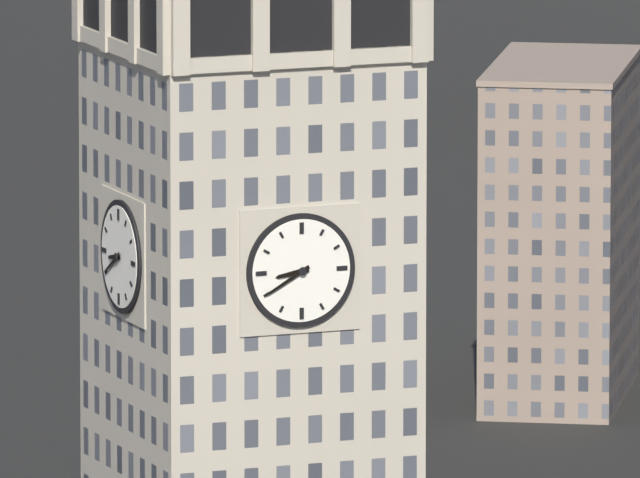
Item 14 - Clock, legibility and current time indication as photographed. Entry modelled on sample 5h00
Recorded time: 8h40
